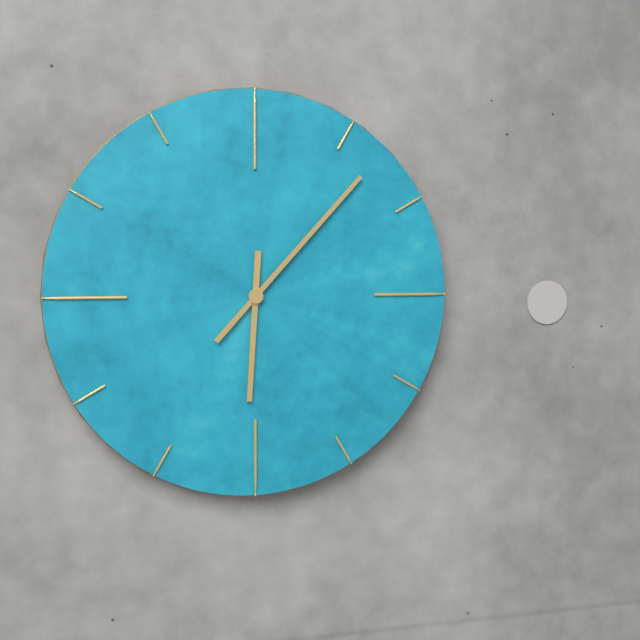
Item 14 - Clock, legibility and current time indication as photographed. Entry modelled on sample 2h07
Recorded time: 6h07
